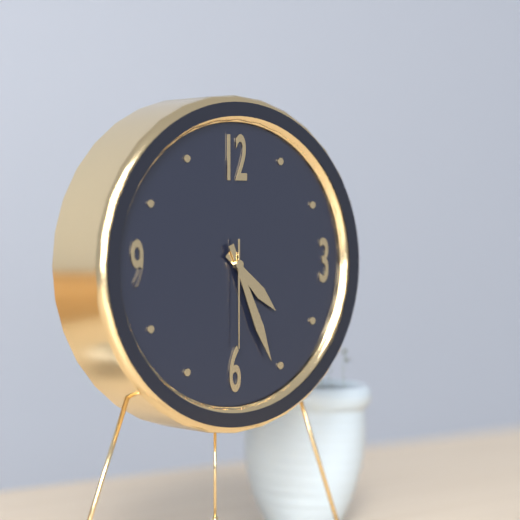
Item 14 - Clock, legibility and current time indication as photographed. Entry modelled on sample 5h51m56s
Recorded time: 4h26m30s
